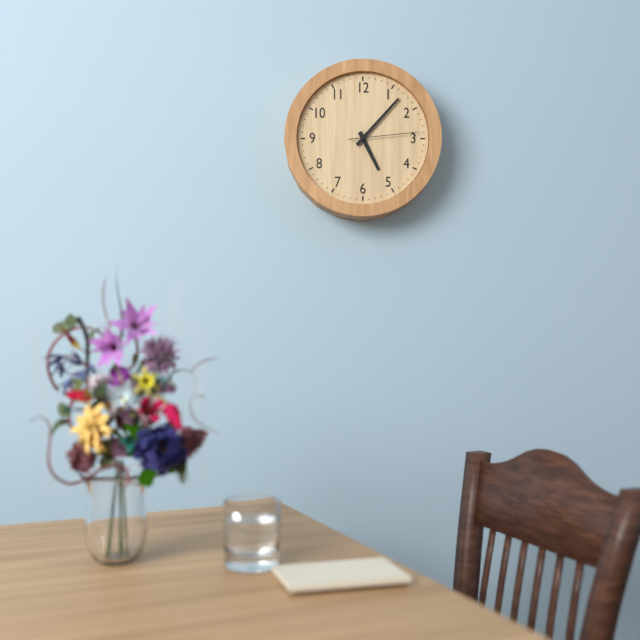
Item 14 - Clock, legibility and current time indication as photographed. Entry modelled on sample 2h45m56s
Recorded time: 5h07m14s
